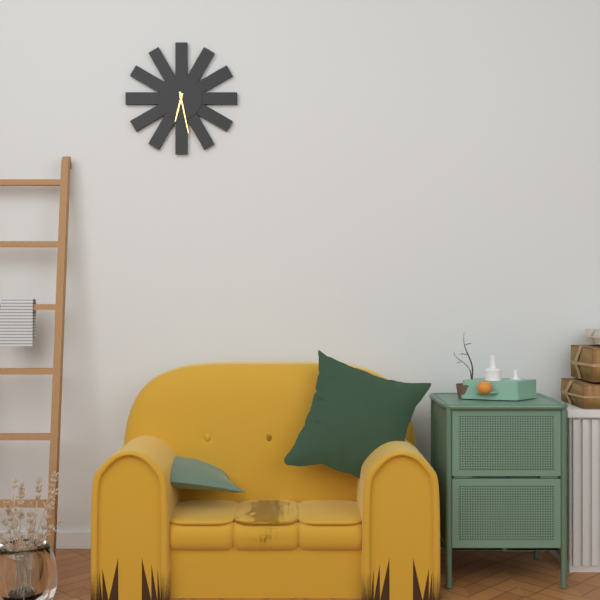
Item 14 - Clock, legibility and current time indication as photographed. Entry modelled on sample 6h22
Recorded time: 6h28
